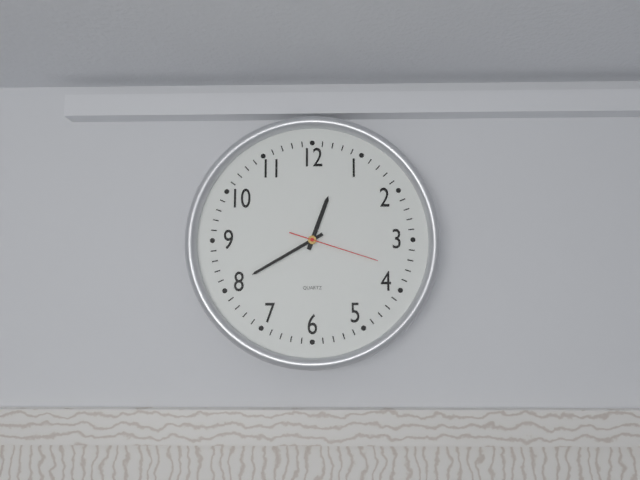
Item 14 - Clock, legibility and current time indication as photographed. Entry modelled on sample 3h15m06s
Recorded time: 12h40m18s
